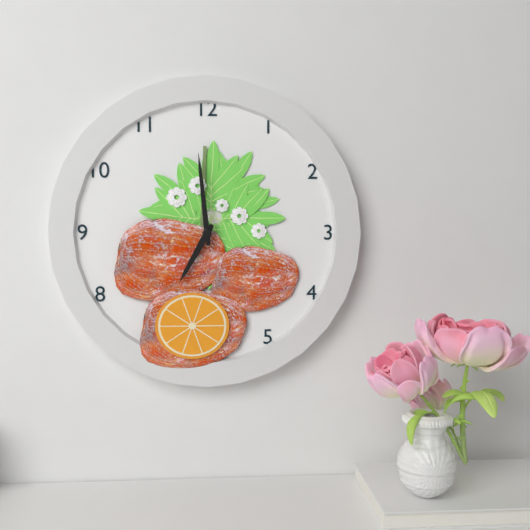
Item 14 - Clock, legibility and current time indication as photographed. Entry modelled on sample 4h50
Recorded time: 6h59
